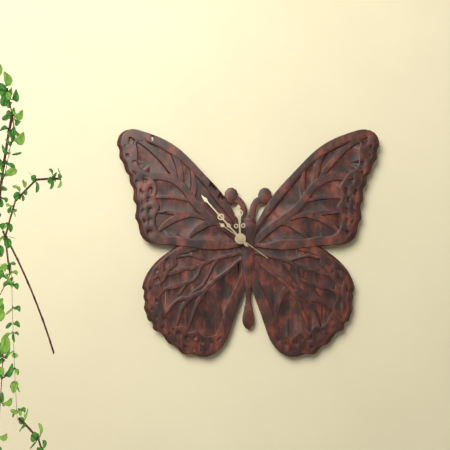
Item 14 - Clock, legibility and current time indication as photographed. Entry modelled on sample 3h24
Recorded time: 11h53
